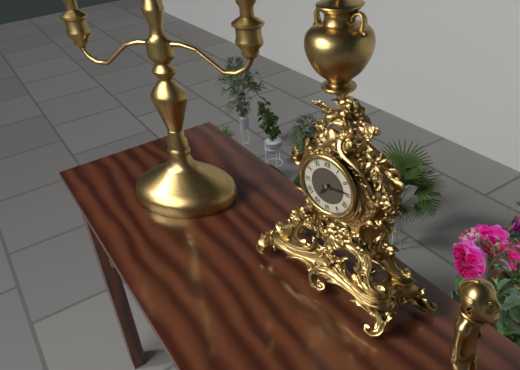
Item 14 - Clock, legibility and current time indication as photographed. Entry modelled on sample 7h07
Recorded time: 7h14
